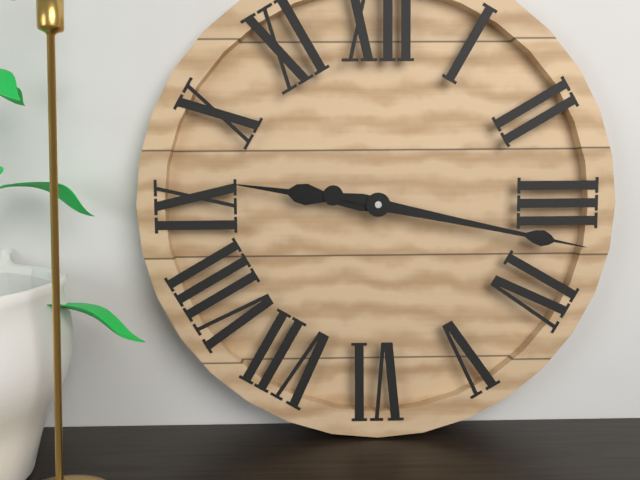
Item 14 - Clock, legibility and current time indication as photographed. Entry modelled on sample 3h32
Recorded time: 9h17
